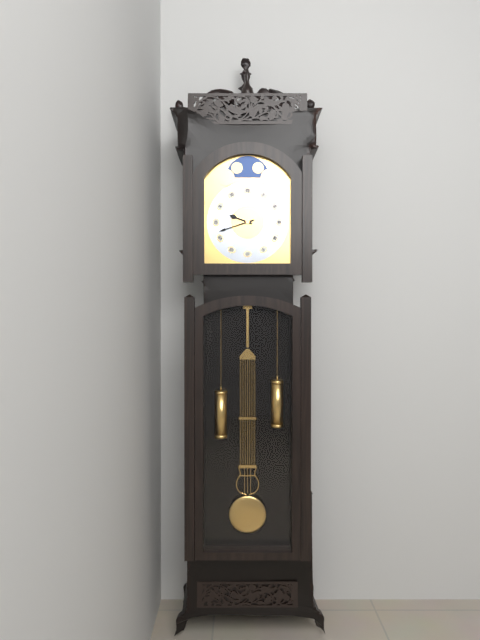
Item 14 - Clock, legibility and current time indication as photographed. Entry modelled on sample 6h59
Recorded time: 9h42
